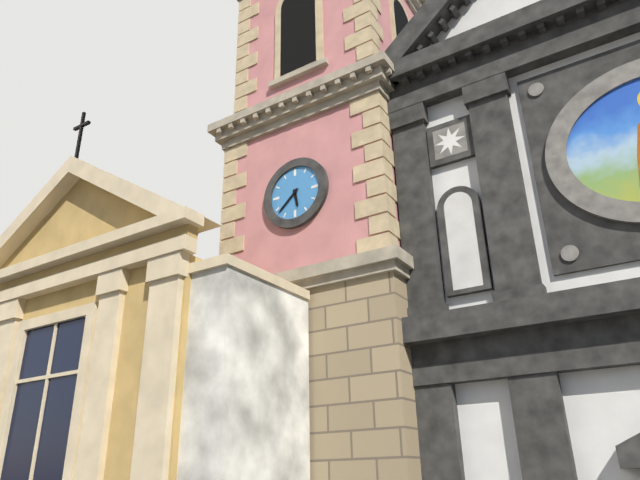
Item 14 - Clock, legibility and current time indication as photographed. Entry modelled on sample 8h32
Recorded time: 5h38
